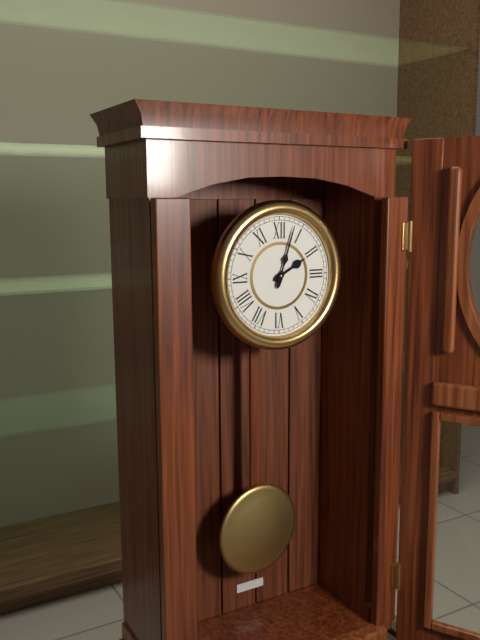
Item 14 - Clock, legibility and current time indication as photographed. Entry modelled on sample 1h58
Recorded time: 2h03
